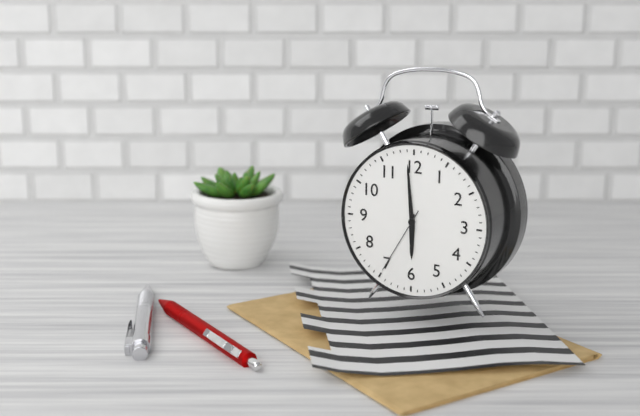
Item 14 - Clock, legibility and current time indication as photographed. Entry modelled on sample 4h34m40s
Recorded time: 5h59m35s
